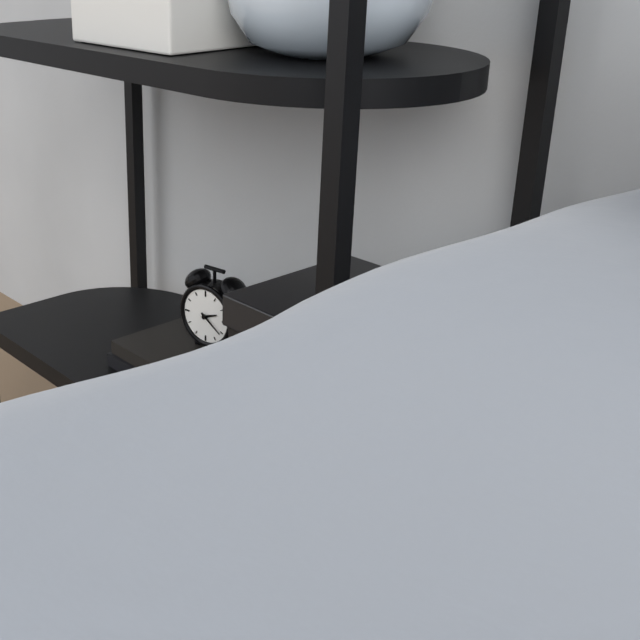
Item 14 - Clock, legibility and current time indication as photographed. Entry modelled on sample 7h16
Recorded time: 2h21
